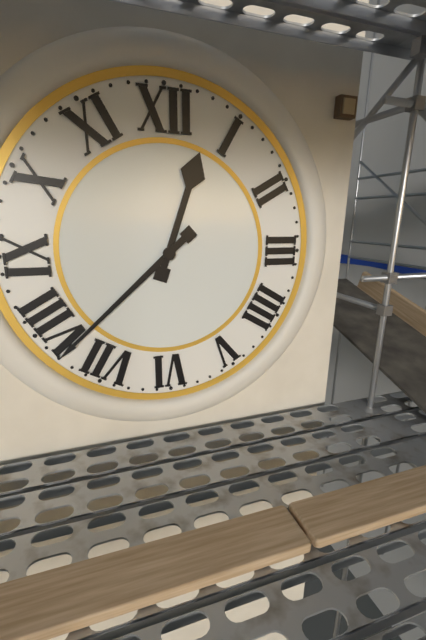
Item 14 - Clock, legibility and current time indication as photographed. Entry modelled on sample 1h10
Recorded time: 12h38
